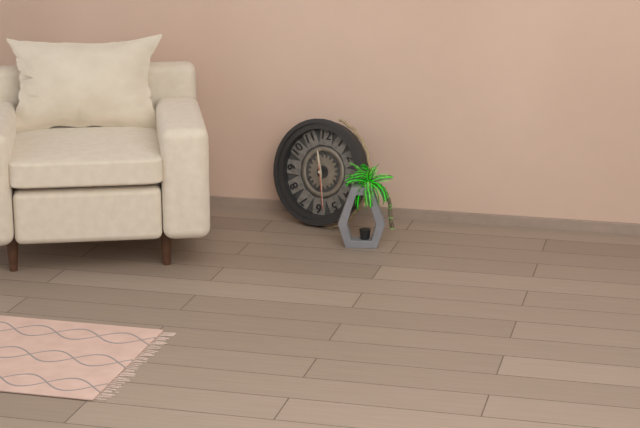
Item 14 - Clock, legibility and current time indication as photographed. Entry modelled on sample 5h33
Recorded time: 11h28
